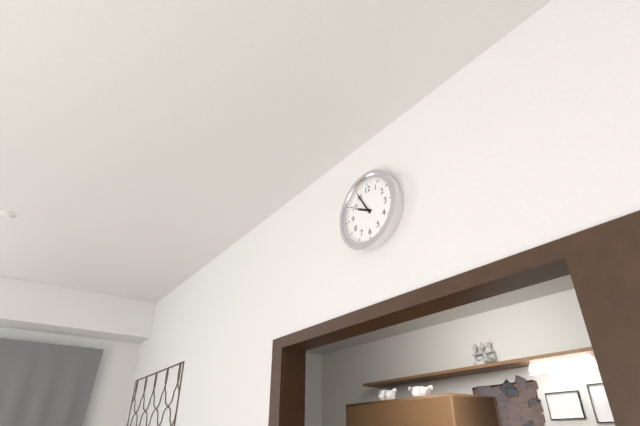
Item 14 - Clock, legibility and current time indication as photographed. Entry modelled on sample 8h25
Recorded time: 9h55
